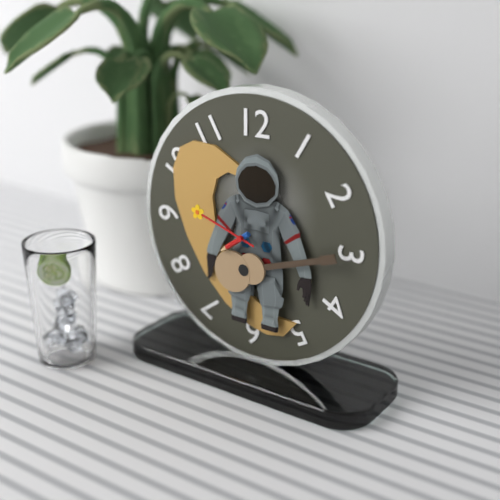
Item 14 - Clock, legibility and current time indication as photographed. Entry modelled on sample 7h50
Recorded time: 7h48
